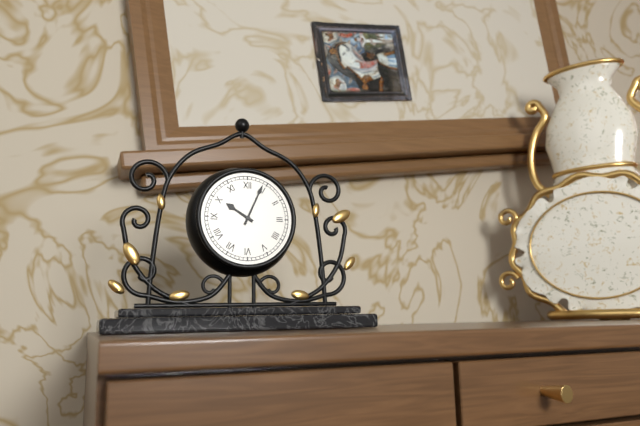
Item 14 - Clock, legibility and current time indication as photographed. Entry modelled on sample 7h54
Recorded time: 10h04
